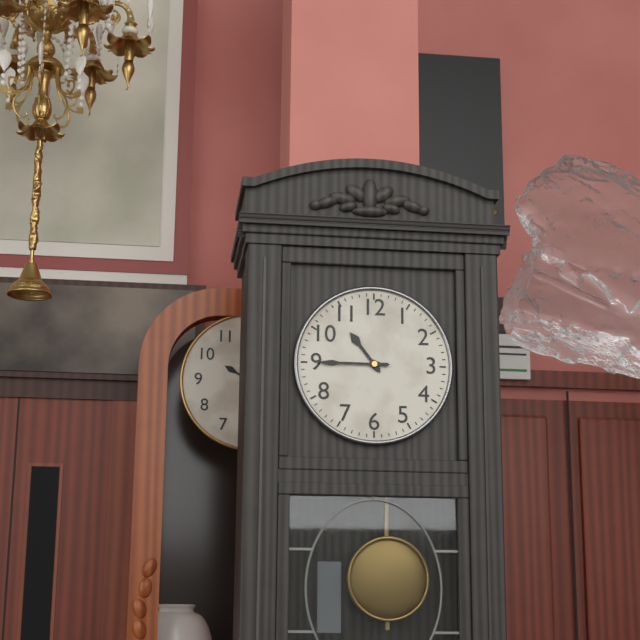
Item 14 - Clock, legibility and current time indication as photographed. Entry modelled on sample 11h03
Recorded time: 10h45
